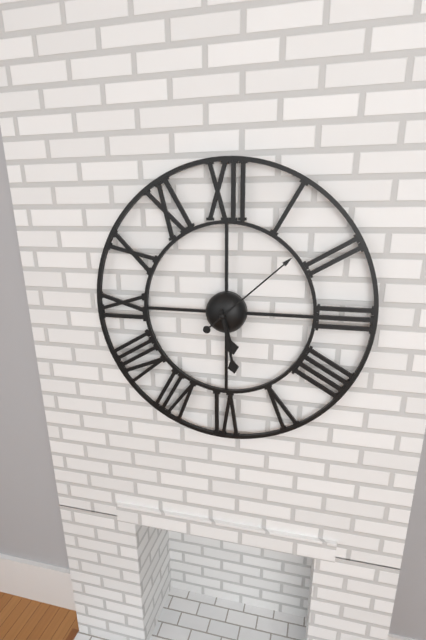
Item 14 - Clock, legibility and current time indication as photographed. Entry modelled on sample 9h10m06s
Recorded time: 5h28m08s
